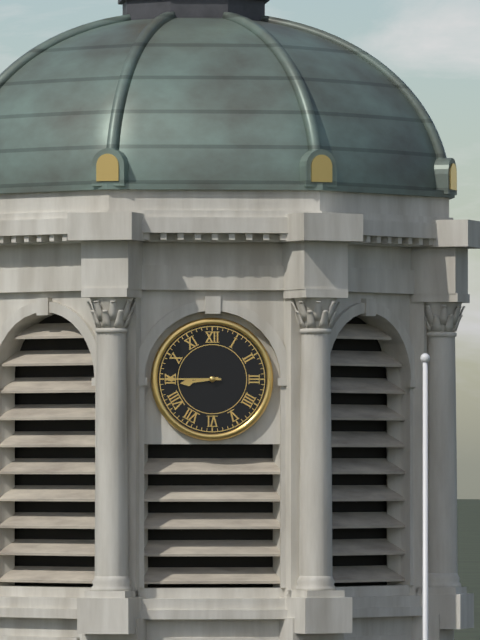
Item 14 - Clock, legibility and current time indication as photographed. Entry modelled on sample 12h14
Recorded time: 8h45
